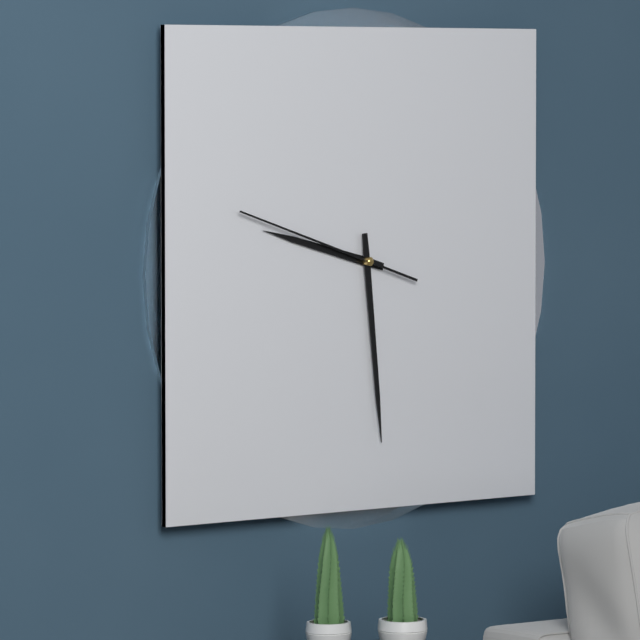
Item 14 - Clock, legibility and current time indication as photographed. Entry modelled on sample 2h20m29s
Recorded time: 9h29m48s
